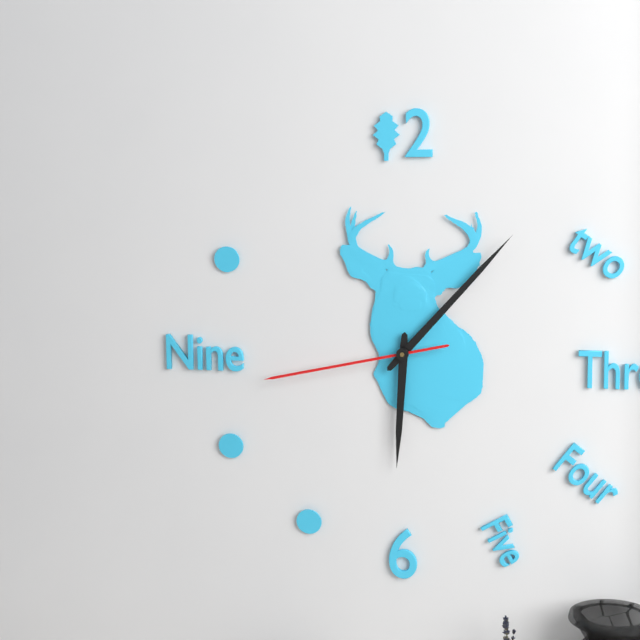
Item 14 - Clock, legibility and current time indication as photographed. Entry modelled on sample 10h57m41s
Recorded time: 6h07m43s
